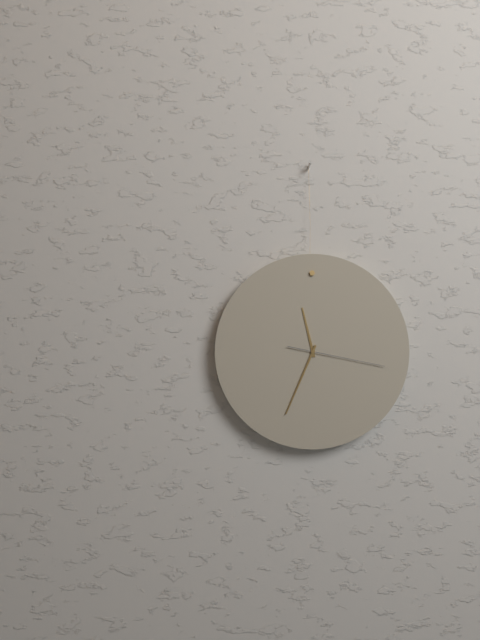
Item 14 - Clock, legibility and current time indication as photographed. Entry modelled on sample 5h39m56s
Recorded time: 11h34m17s
